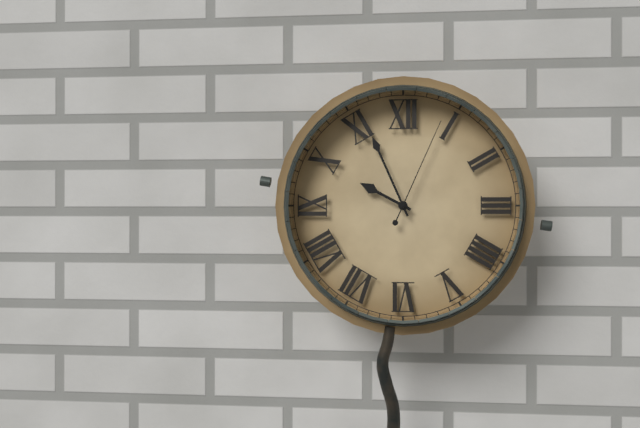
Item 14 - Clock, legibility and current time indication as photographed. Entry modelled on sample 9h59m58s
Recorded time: 9h56m04s
